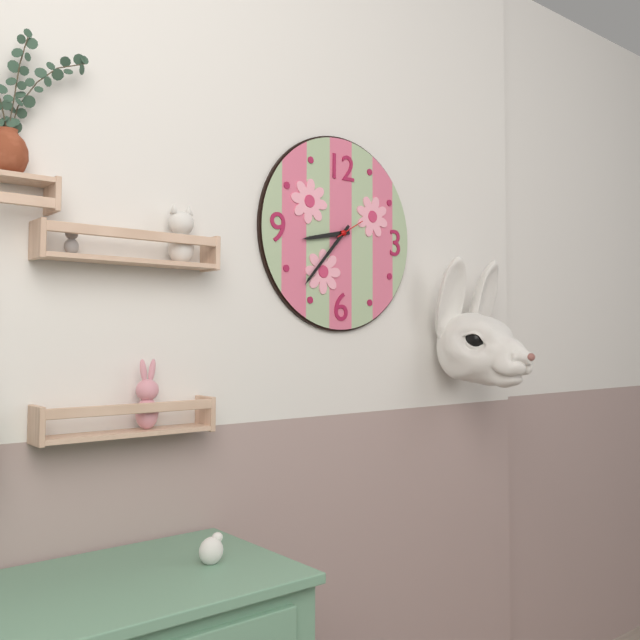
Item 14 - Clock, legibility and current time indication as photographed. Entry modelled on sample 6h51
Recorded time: 8h37
